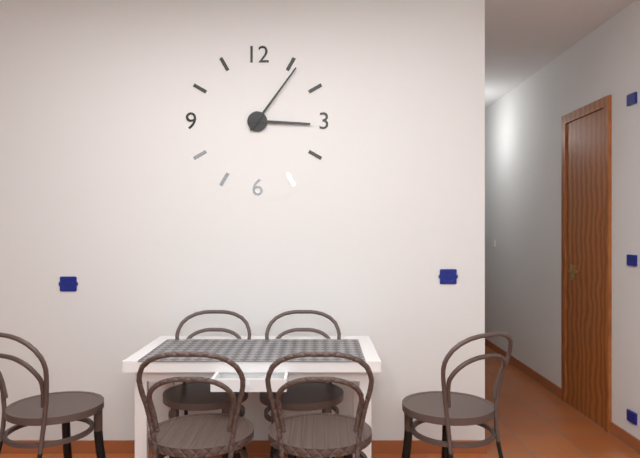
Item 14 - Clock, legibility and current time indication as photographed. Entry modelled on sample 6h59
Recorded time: 3h06
